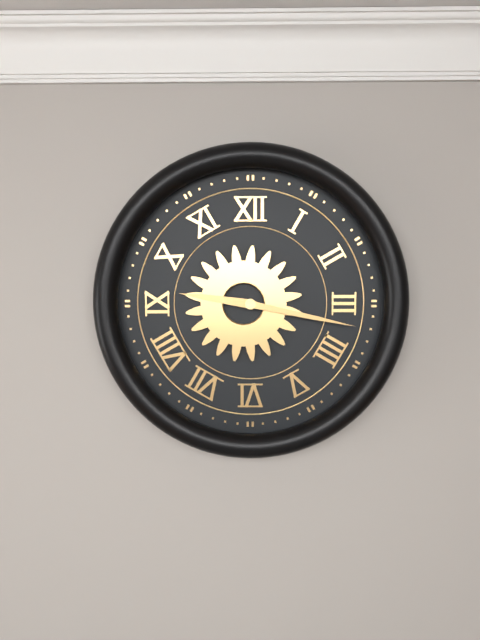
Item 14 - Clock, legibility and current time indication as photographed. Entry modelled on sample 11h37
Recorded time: 9h17
